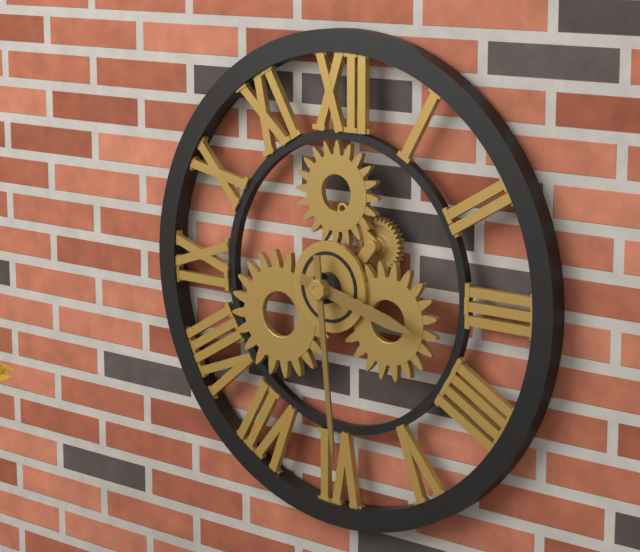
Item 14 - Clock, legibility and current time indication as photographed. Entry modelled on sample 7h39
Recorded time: 3h29
